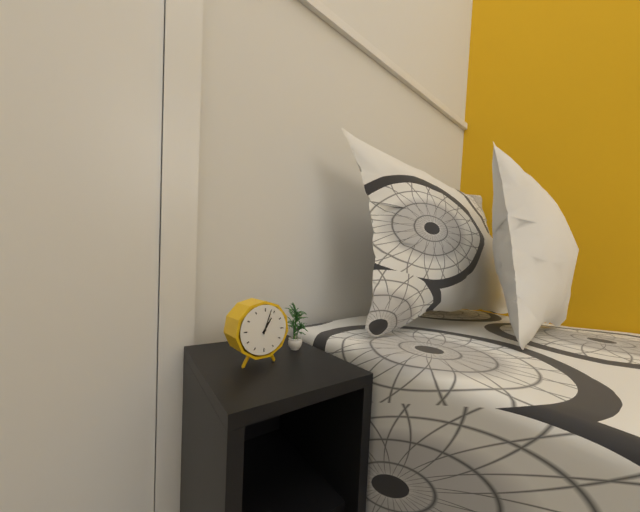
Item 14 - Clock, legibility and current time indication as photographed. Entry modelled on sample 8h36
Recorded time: 1h03
